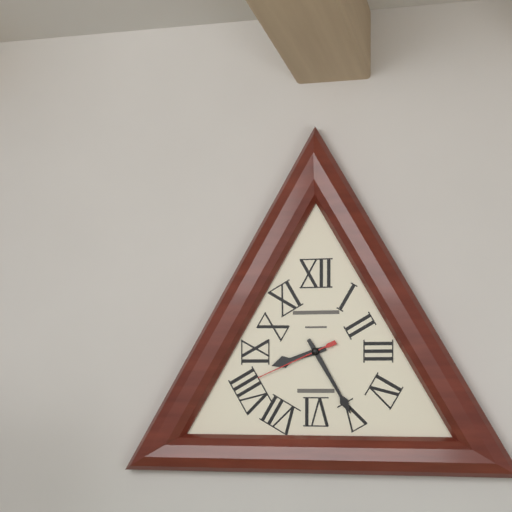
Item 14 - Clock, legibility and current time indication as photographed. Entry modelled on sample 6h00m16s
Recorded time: 8h25m41s
